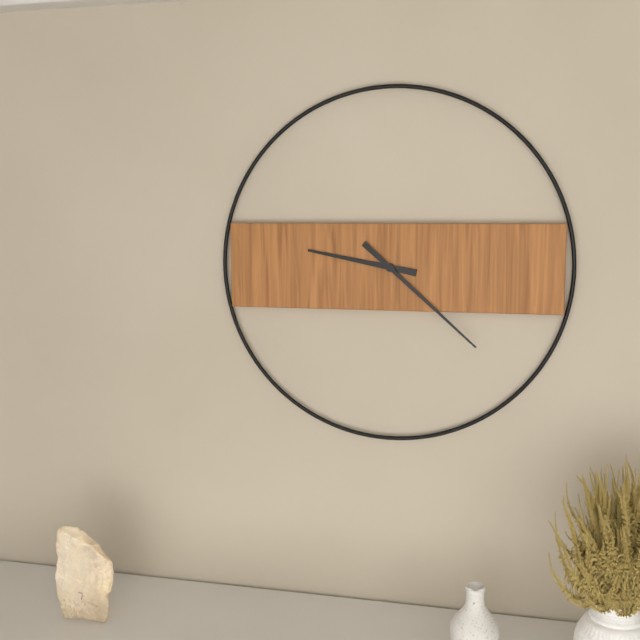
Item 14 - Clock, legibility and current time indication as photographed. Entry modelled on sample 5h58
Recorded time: 9h22
